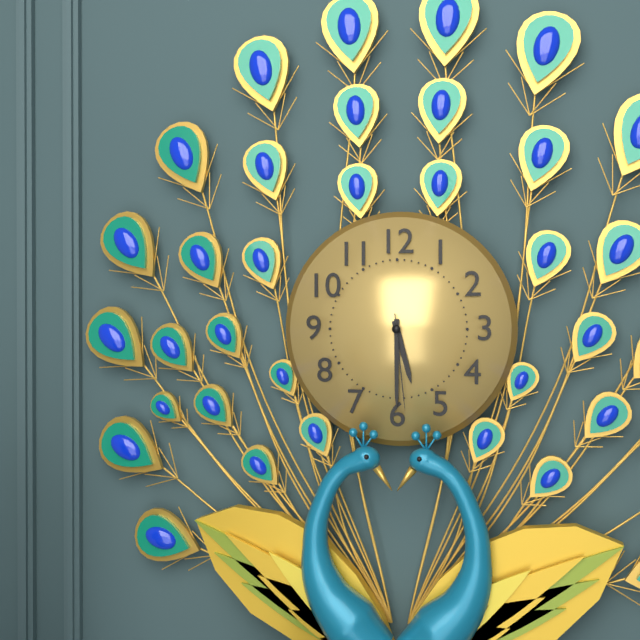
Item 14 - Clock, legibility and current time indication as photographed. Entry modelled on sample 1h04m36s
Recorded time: 5h30m29s
